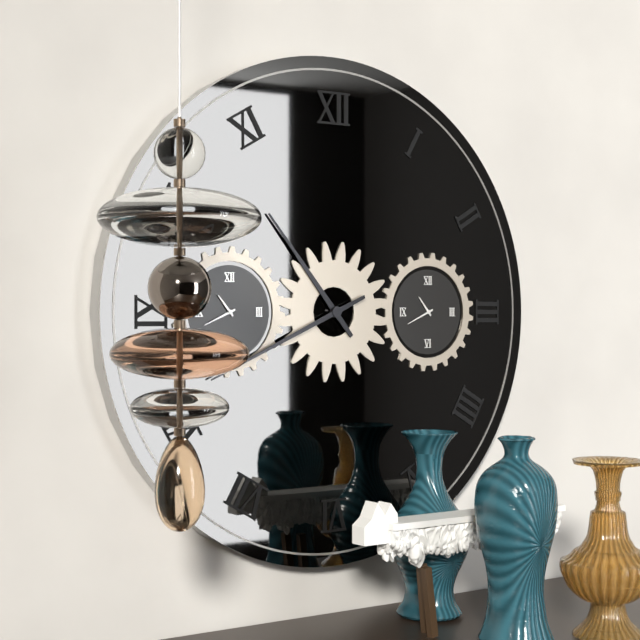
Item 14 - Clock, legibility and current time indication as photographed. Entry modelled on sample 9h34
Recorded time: 10h41
